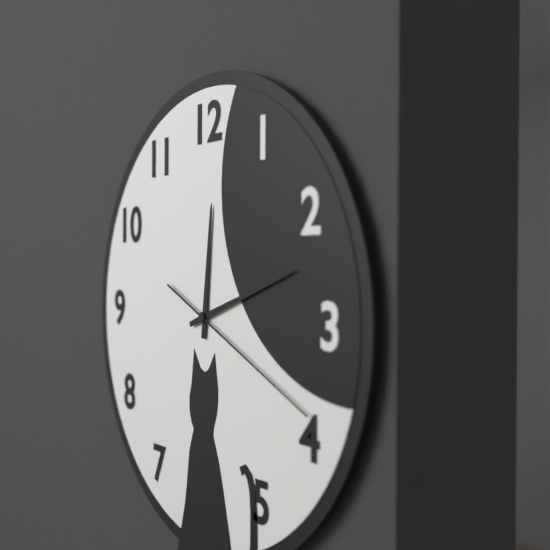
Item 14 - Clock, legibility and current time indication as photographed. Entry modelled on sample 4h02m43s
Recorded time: 12h12m19s
